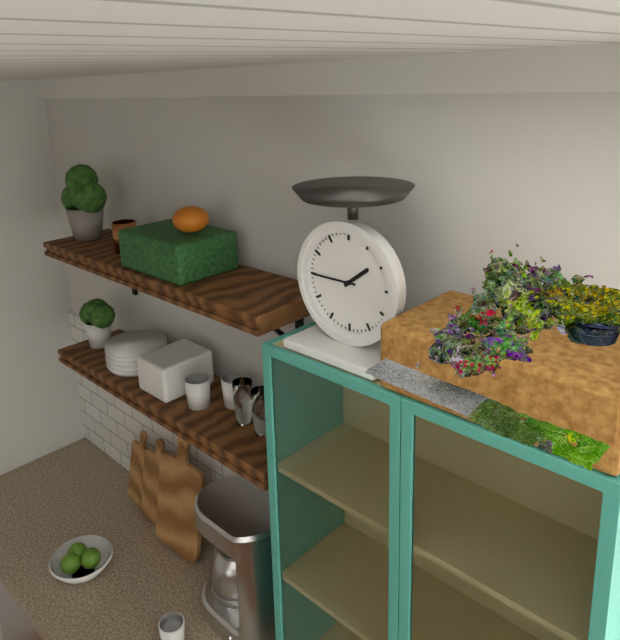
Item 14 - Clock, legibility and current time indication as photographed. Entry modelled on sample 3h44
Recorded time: 1h45
